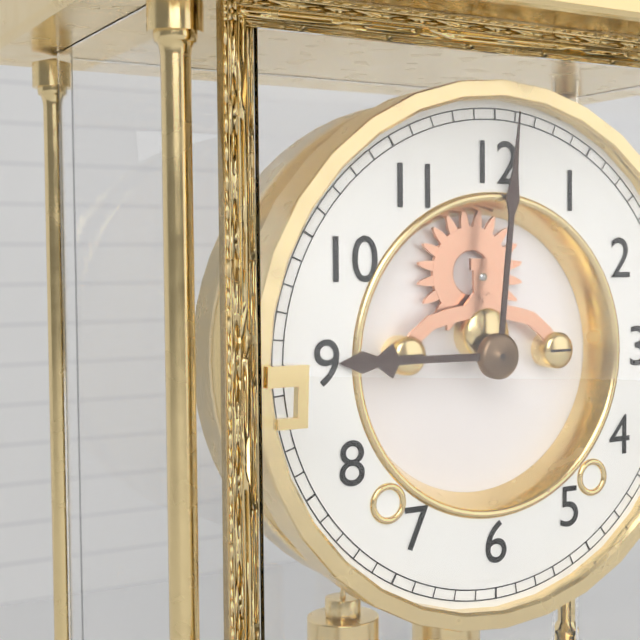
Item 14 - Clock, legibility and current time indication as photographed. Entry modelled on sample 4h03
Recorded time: 9h01
